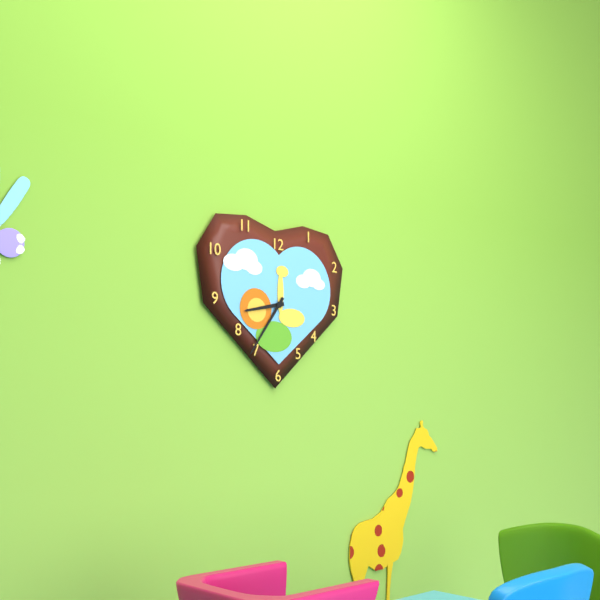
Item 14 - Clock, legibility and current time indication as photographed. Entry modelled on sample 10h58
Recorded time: 8h36
